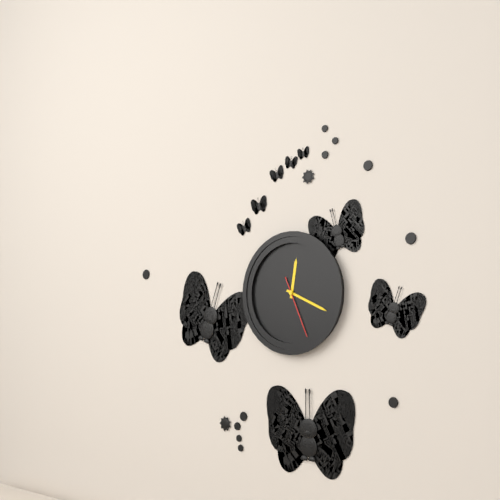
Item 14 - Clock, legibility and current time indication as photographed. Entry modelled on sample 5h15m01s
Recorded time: 12h19m26s
